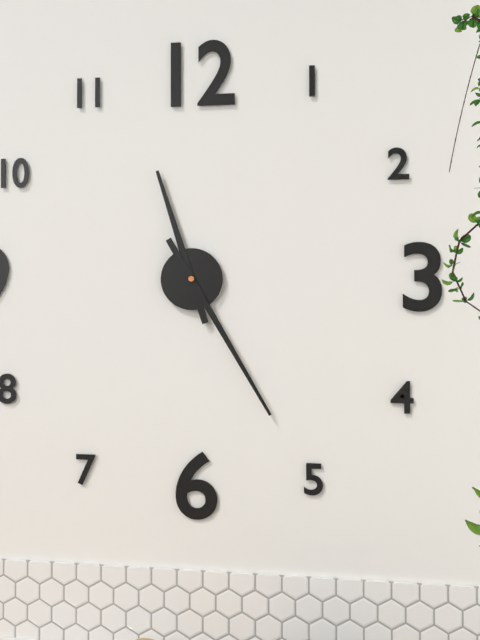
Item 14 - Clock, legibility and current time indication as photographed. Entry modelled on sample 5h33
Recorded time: 11h25
